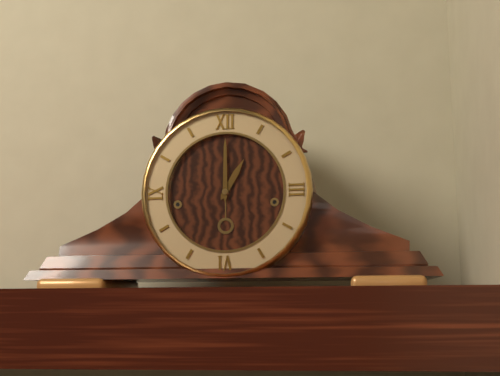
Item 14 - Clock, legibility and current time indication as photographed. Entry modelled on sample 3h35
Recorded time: 1h00
